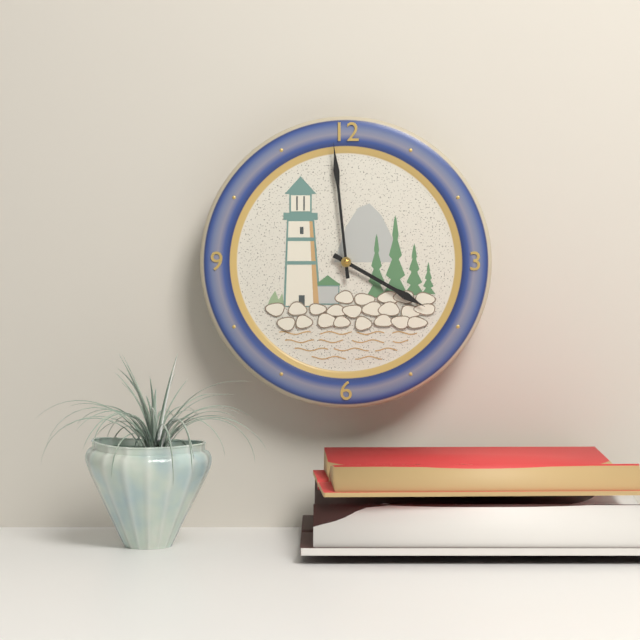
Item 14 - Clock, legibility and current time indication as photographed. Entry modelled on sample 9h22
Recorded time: 3h59
